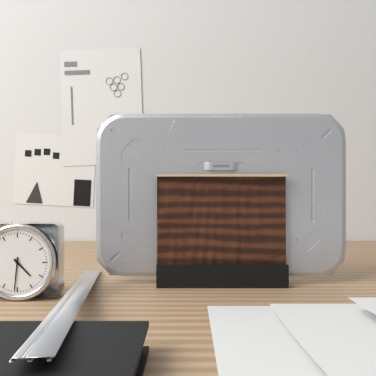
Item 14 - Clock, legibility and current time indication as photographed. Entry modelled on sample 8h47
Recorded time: 4h31
